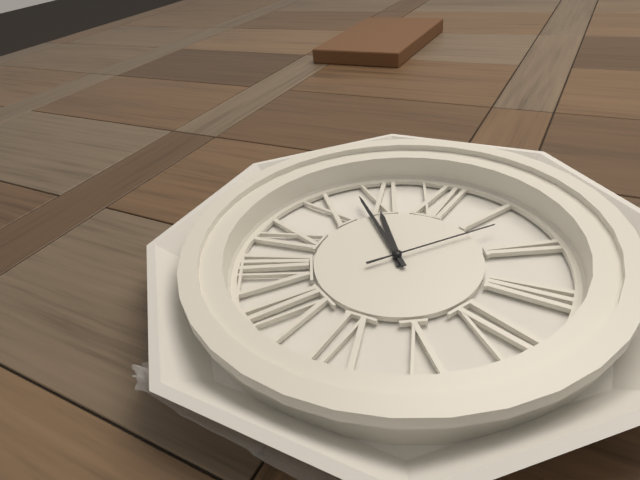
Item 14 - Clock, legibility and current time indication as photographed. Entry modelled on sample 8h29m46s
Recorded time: 10h53m07s
